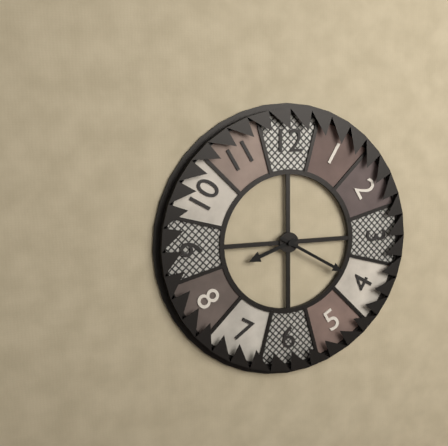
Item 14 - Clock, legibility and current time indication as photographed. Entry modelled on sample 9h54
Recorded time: 8h20
